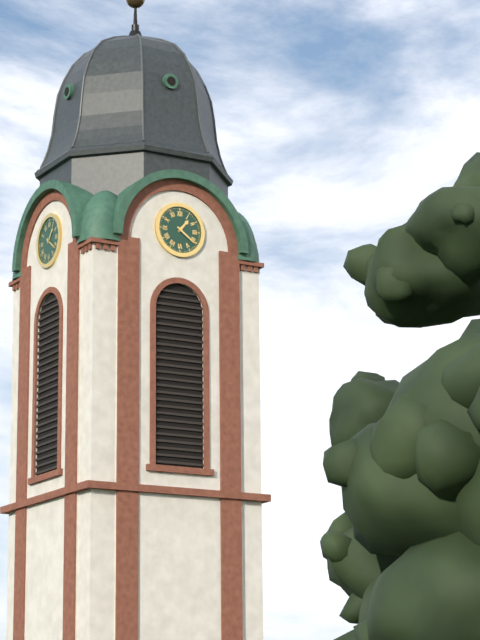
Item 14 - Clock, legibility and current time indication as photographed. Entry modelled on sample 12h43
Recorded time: 1h21
